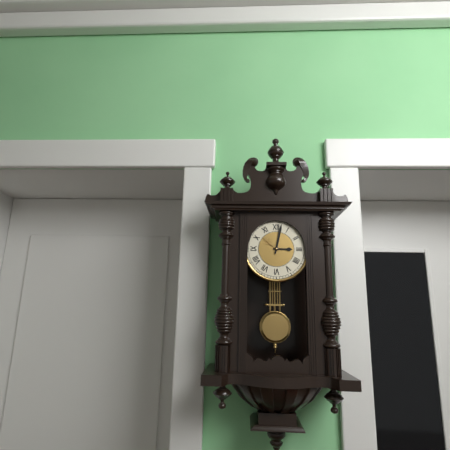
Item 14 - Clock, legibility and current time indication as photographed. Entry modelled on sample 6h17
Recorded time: 3h02
